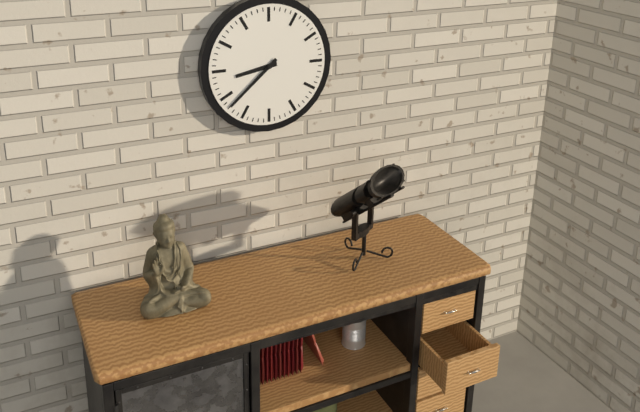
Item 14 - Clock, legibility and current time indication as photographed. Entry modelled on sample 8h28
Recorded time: 8h38
